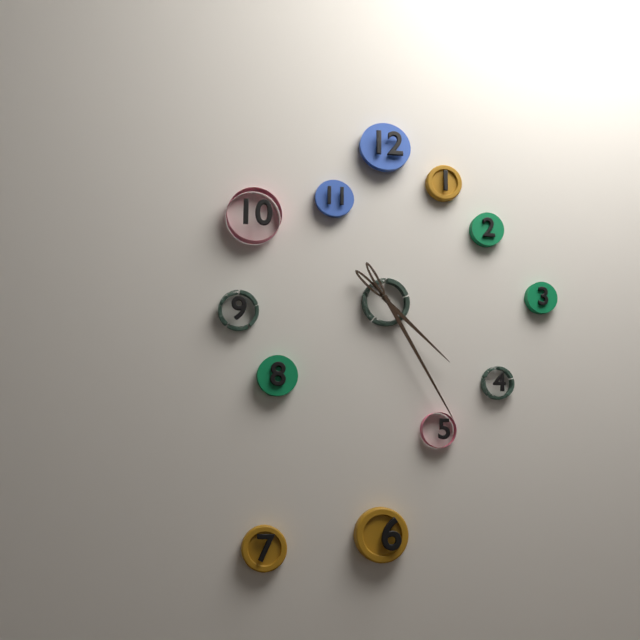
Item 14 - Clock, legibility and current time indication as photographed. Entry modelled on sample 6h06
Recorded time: 4h25
